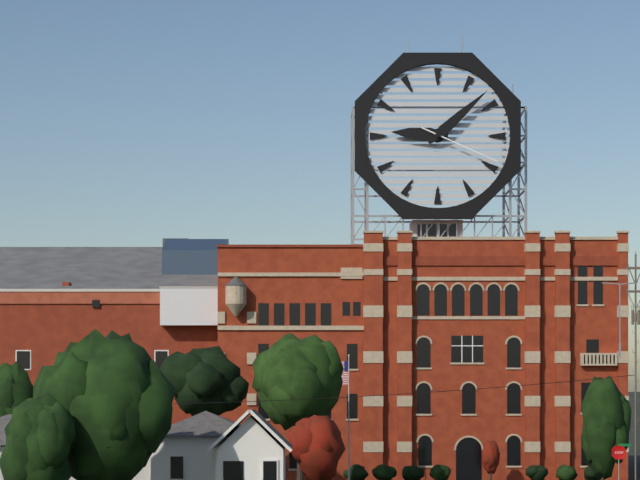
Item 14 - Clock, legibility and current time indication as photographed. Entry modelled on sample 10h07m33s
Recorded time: 9h08m19s
